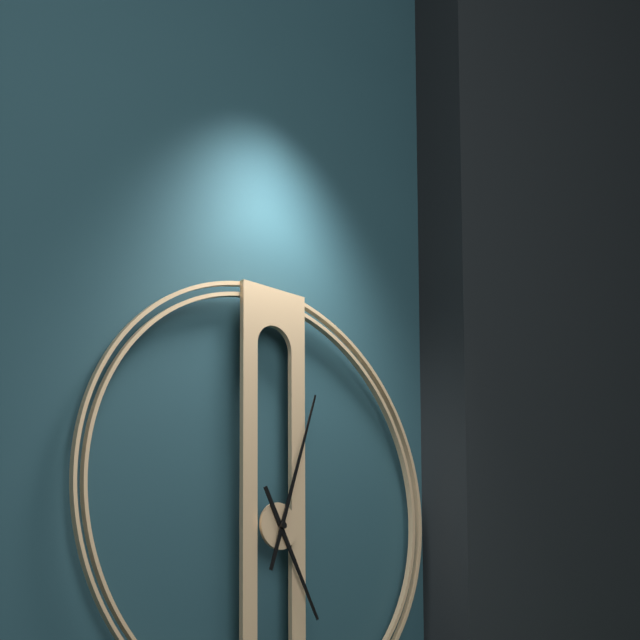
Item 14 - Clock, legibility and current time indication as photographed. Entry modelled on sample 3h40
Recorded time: 5h03
